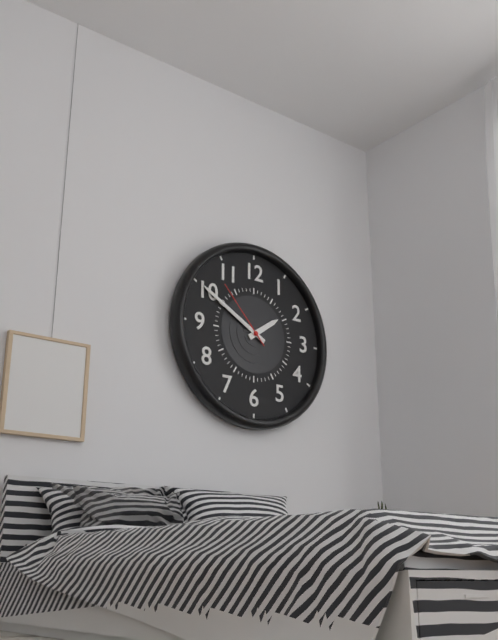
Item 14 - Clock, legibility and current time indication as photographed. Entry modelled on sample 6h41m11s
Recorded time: 1h50m53s
